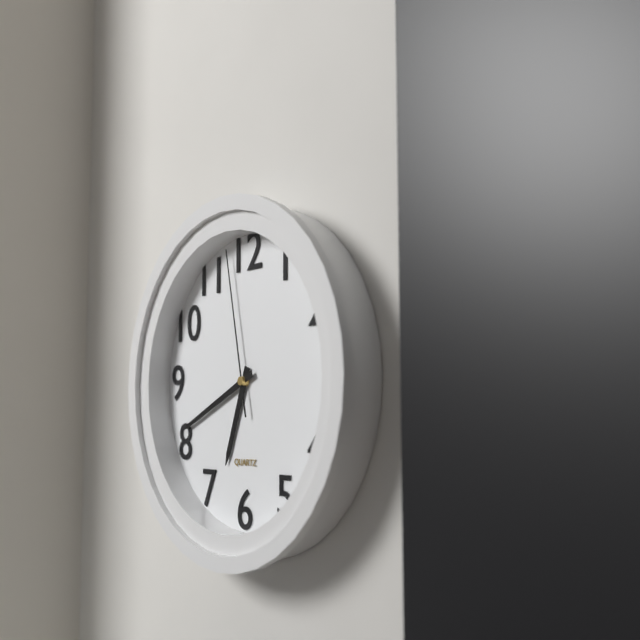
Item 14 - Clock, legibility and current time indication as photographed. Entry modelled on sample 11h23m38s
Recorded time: 6h41m58s
